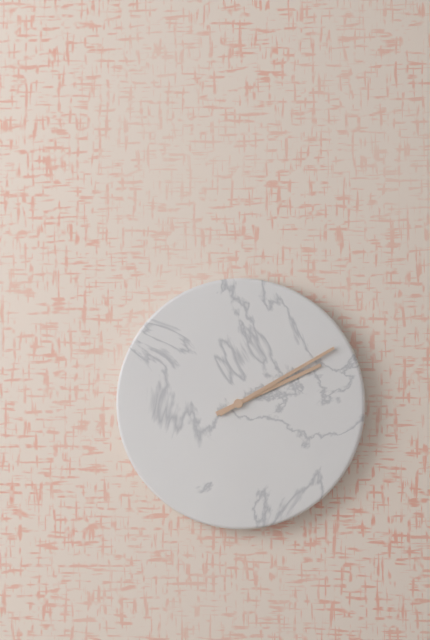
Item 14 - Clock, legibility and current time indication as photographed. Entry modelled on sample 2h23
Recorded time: 2h10
